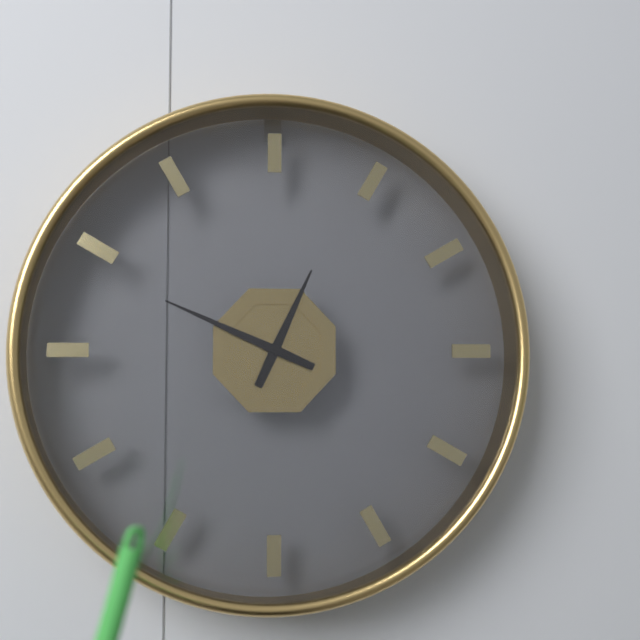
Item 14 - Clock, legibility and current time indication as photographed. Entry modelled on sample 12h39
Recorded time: 12h49
